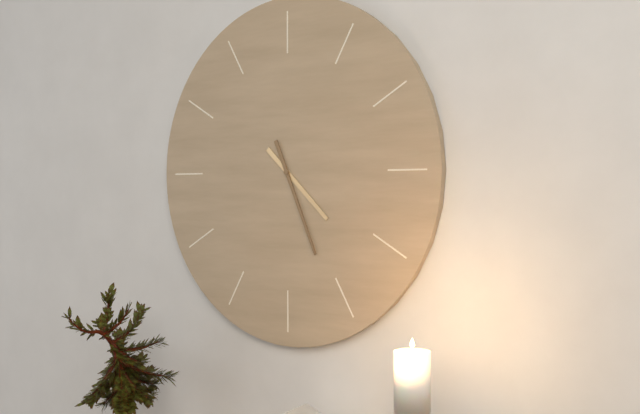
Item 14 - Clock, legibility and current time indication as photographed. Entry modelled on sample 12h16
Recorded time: 4h26
